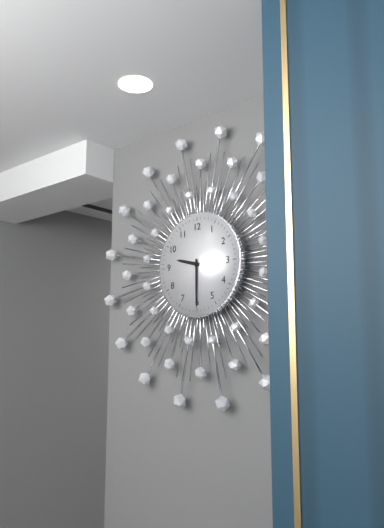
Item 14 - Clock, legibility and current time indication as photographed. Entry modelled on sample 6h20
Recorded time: 9h30
